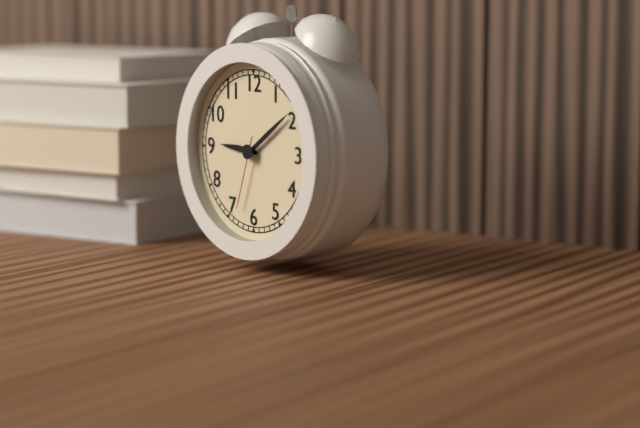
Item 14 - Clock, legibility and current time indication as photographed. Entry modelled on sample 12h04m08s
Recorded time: 9h09m33s
